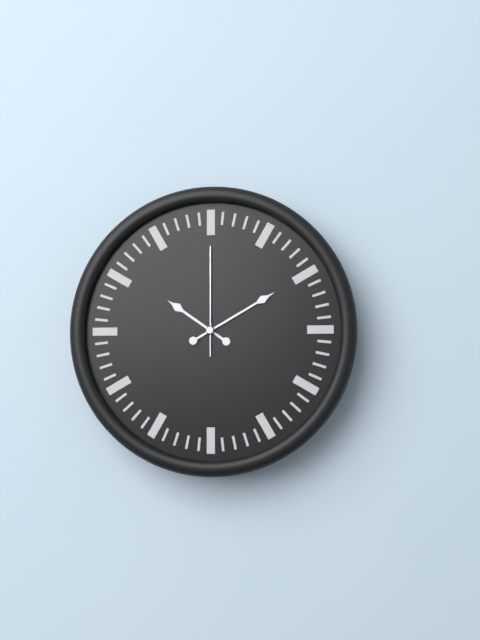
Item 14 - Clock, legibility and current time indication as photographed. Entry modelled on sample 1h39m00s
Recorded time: 10h10m00s
